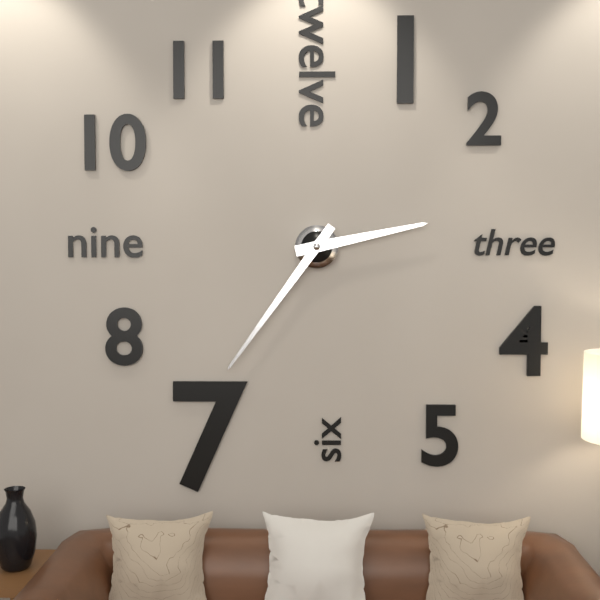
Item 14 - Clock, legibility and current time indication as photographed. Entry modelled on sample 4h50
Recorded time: 2h36
